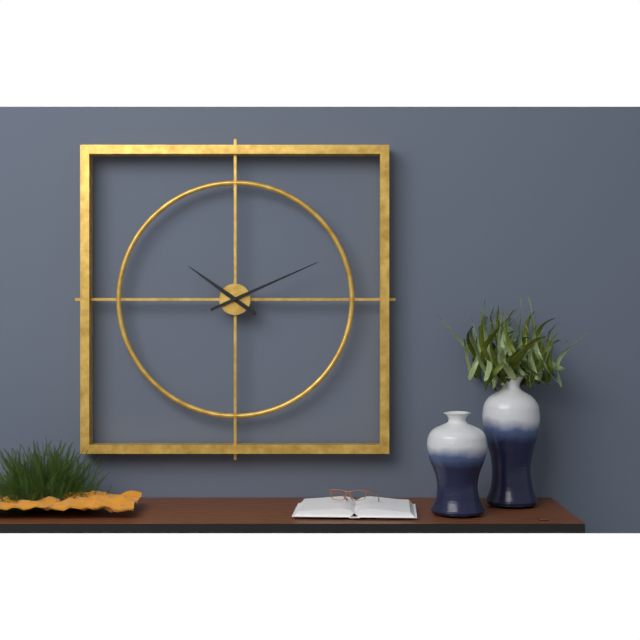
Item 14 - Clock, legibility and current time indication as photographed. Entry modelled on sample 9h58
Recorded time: 10h11
